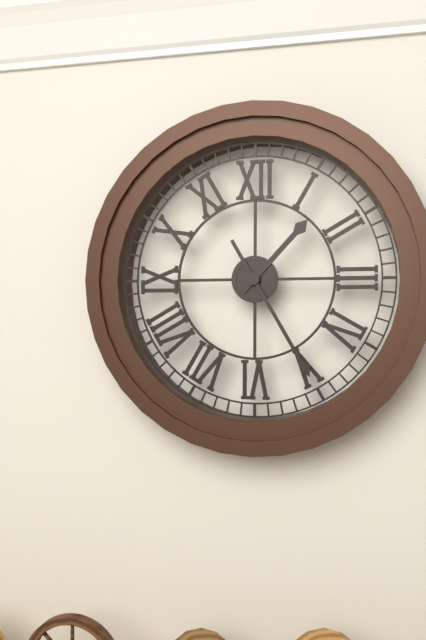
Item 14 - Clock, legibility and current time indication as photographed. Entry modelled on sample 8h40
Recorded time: 1h25
